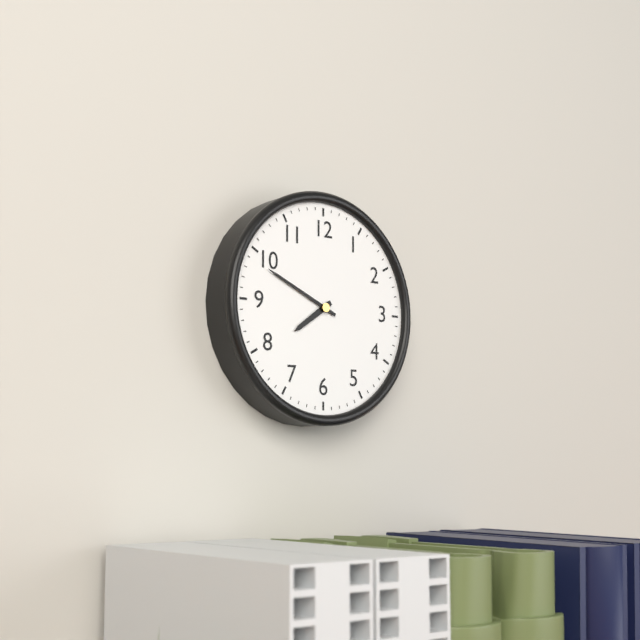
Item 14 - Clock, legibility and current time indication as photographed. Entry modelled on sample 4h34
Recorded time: 7h49
